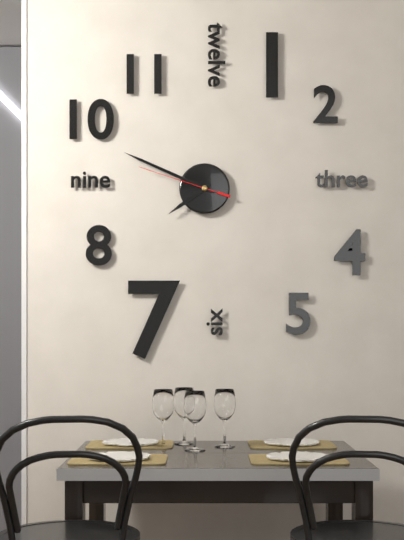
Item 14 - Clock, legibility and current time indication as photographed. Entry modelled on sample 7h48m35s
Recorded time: 7h49m48s
